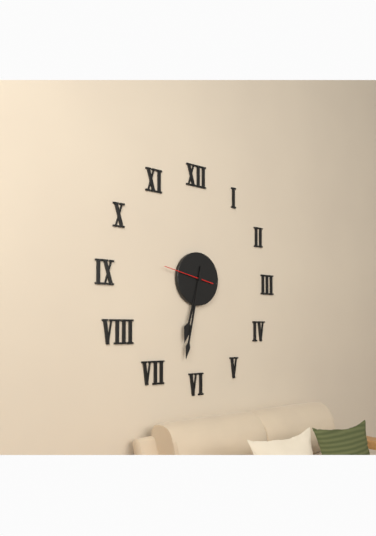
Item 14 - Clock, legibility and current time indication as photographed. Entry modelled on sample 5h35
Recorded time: 6h32
